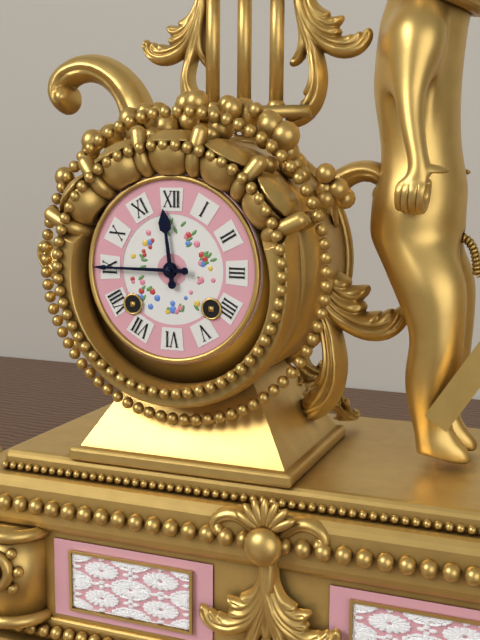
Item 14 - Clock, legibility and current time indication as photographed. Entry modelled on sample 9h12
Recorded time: 11h45
